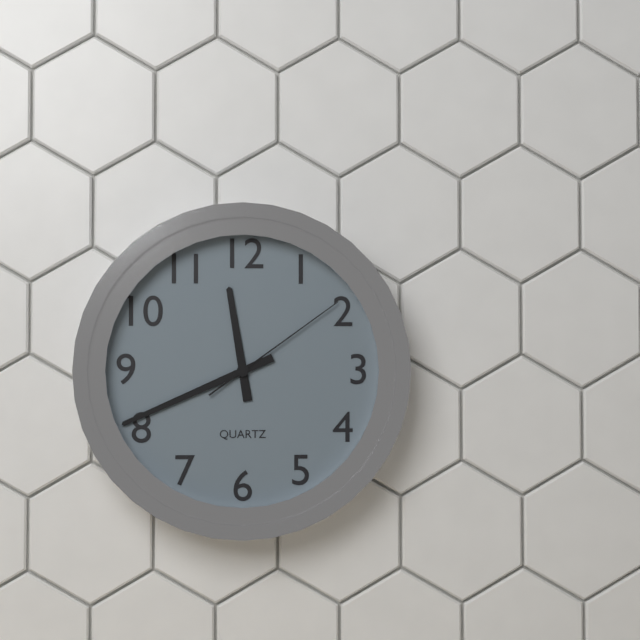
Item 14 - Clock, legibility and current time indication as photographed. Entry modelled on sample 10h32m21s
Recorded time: 11h41m09s
